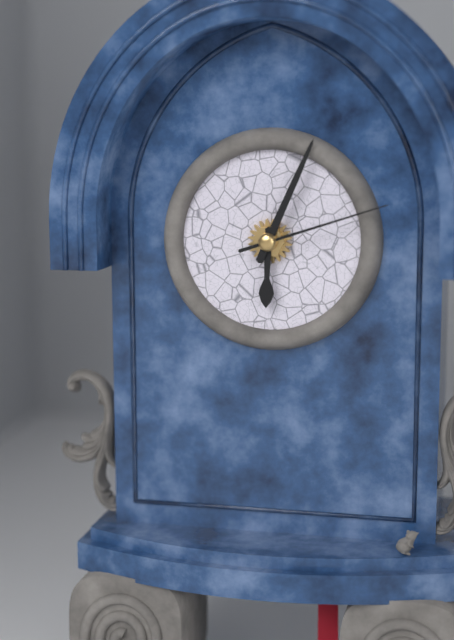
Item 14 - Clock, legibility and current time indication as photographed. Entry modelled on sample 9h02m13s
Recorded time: 6h04m12s
